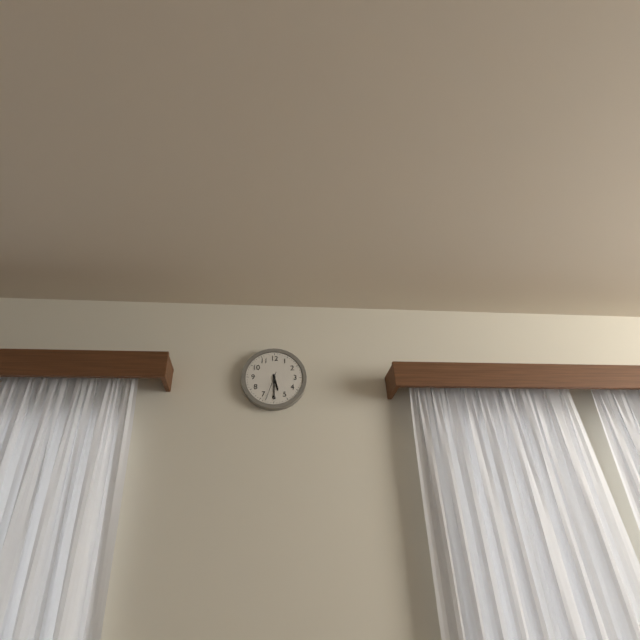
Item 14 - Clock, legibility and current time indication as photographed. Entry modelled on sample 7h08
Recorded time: 5h30
